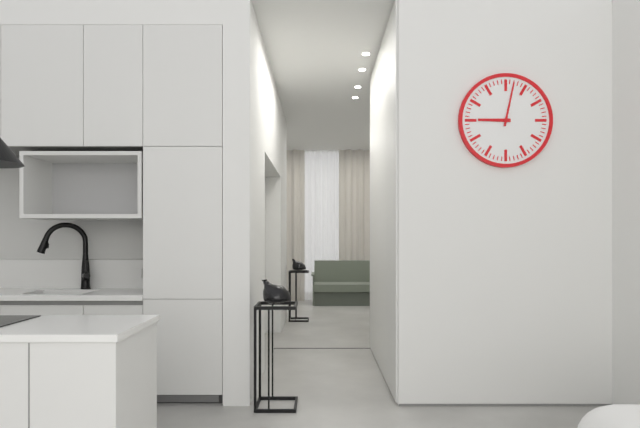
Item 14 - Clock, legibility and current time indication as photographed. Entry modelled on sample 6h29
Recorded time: 9h02
